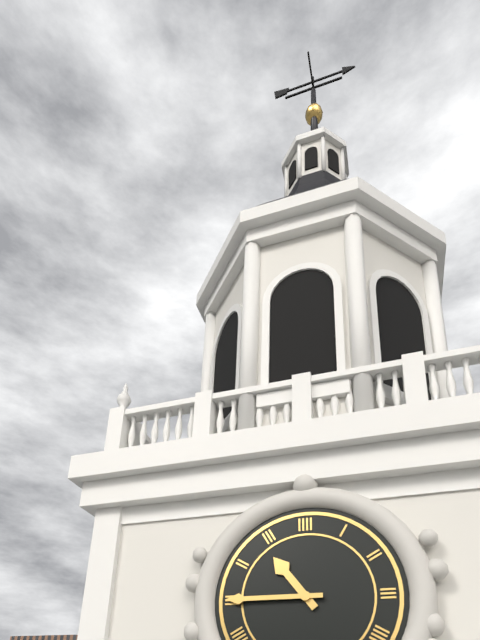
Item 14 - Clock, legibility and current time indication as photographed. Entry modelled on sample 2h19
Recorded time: 10h45
